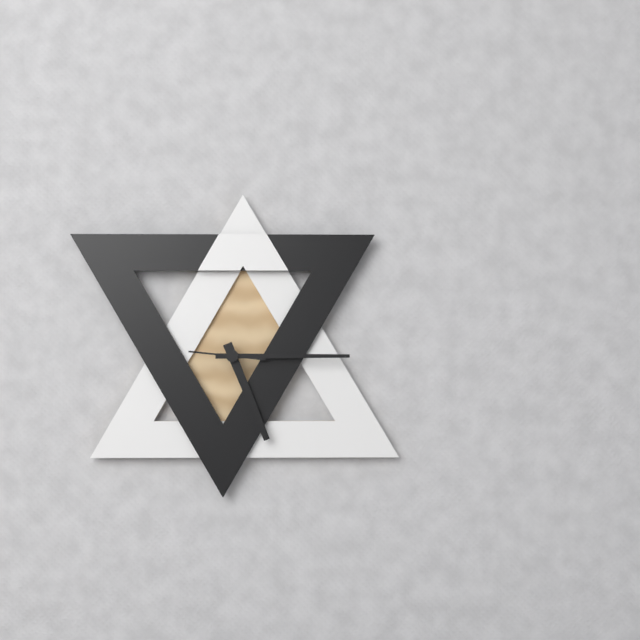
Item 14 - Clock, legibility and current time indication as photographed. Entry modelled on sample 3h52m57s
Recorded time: 5h15m46s
